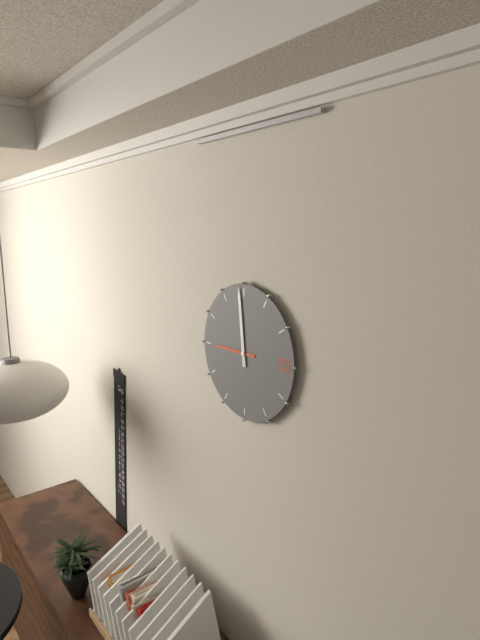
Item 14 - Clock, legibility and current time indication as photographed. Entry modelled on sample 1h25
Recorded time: 8h59
